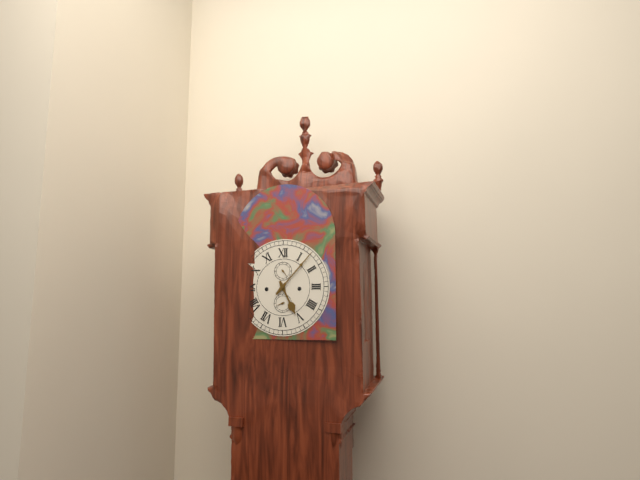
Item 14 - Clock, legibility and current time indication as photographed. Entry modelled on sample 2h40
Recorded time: 5h07
